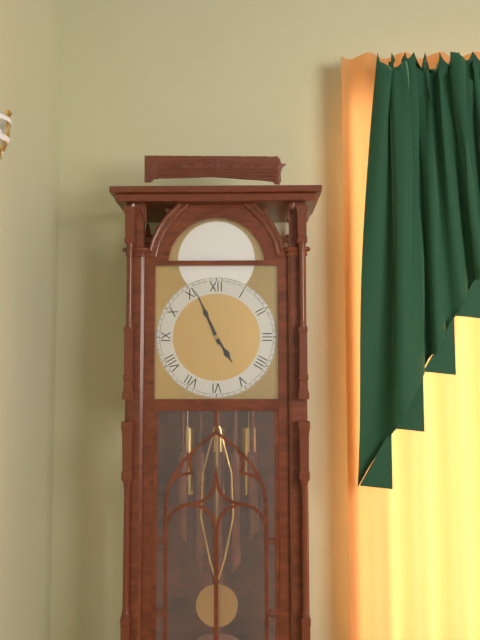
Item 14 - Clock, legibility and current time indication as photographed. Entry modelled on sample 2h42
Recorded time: 4h56
